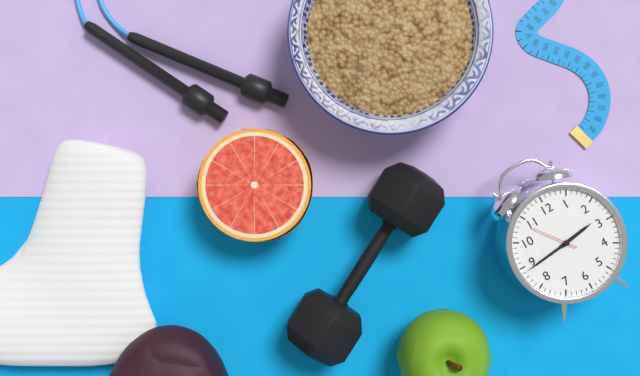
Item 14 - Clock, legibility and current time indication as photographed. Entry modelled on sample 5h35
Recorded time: 2h44
